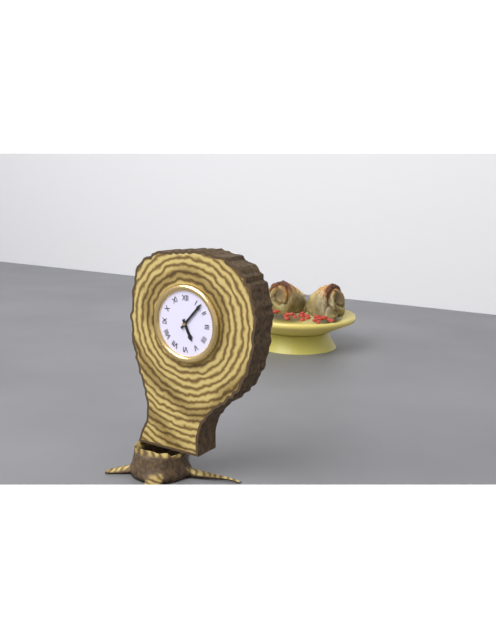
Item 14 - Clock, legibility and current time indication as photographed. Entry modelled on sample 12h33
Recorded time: 5h07
